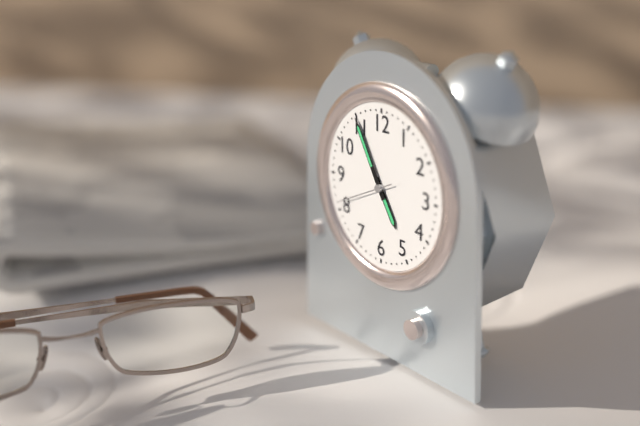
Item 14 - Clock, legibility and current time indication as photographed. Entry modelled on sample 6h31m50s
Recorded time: 4h55m41s
